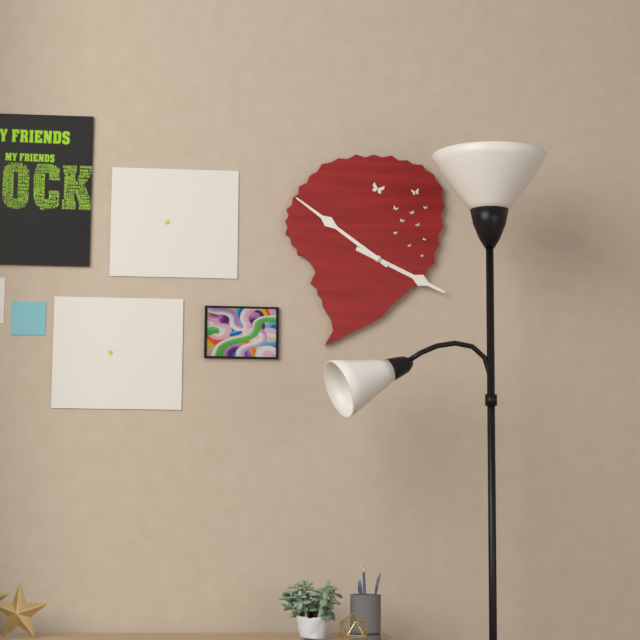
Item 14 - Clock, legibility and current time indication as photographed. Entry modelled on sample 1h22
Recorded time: 3h51
